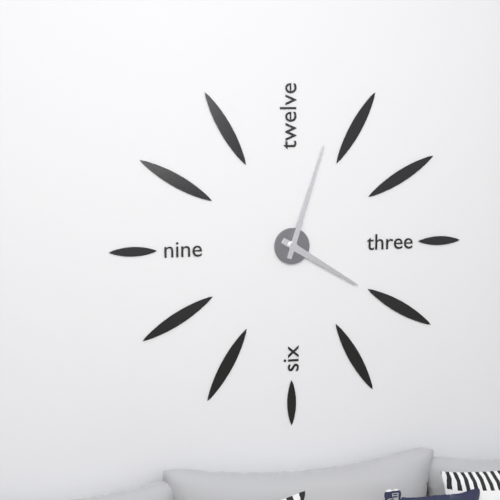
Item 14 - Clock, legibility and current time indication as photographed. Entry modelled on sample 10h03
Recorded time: 4h03
